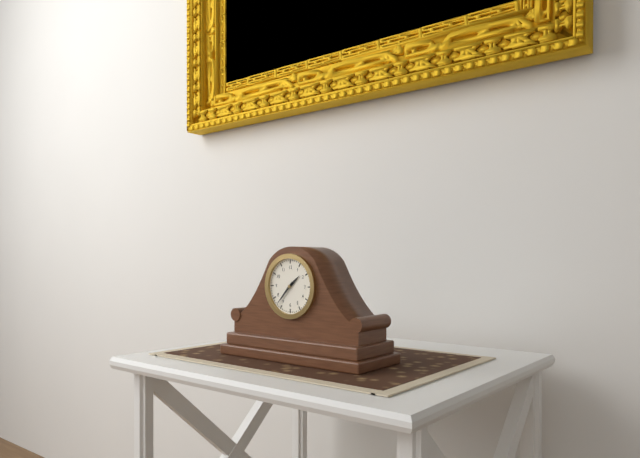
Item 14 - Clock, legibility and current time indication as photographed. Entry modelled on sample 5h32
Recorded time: 1h37
